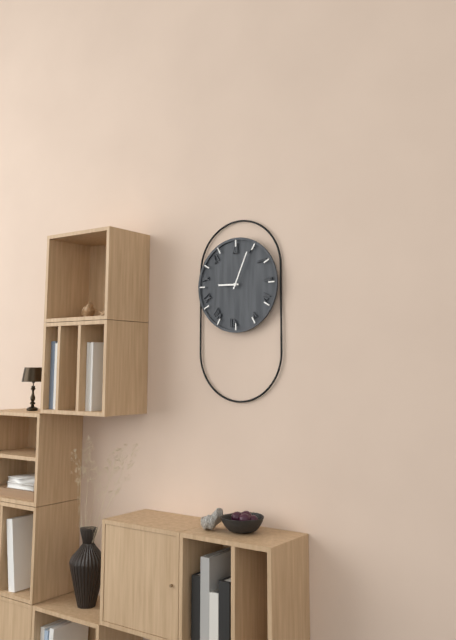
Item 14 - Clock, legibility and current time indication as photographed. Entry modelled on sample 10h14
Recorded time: 9h04
